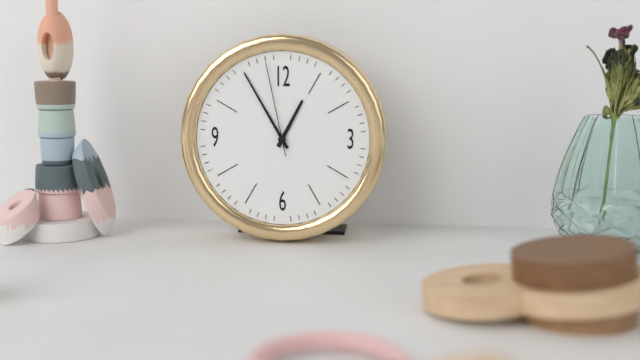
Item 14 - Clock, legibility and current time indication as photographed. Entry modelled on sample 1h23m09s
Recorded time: 12h55m58s
